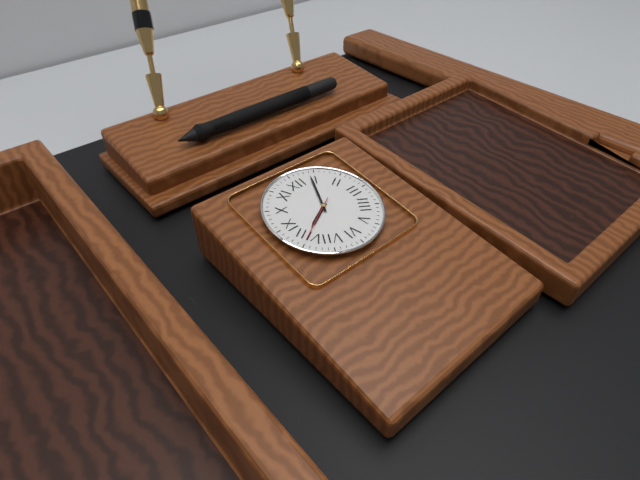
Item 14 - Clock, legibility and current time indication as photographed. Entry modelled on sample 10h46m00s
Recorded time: 8h04m40s
